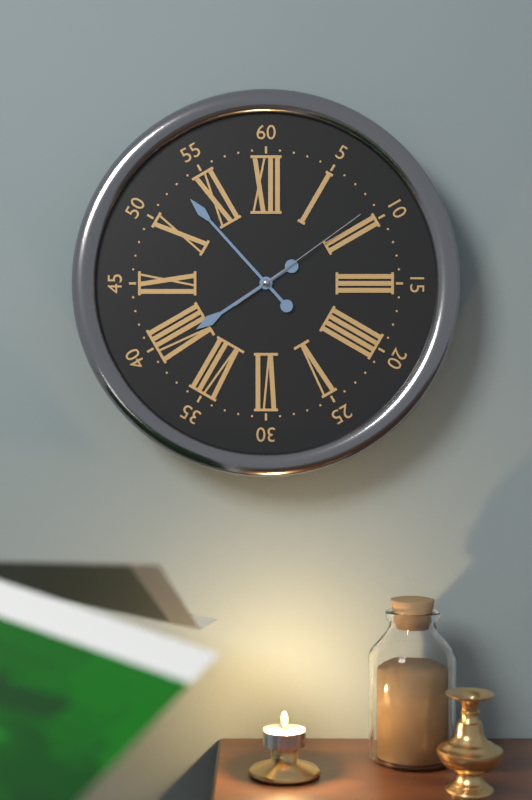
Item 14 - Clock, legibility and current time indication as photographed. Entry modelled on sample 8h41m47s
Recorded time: 7h53m09s
